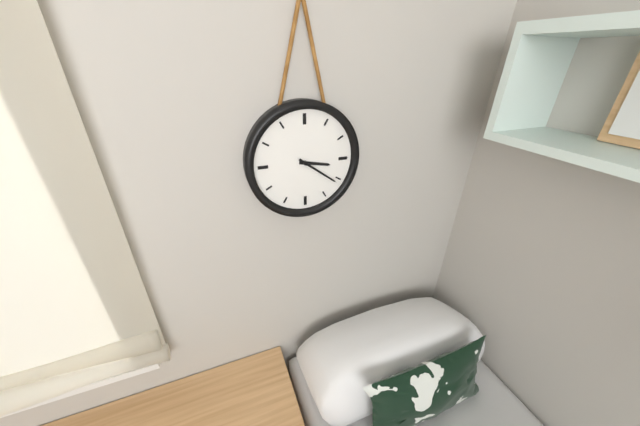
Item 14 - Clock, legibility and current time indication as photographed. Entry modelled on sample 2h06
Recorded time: 3h21
